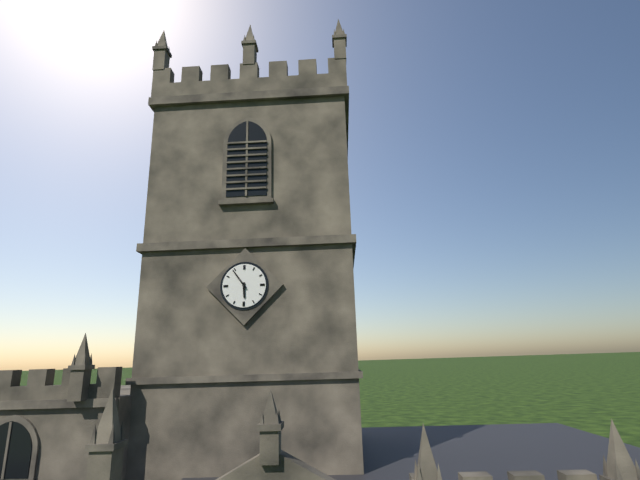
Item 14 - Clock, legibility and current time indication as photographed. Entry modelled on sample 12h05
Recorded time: 5h54
